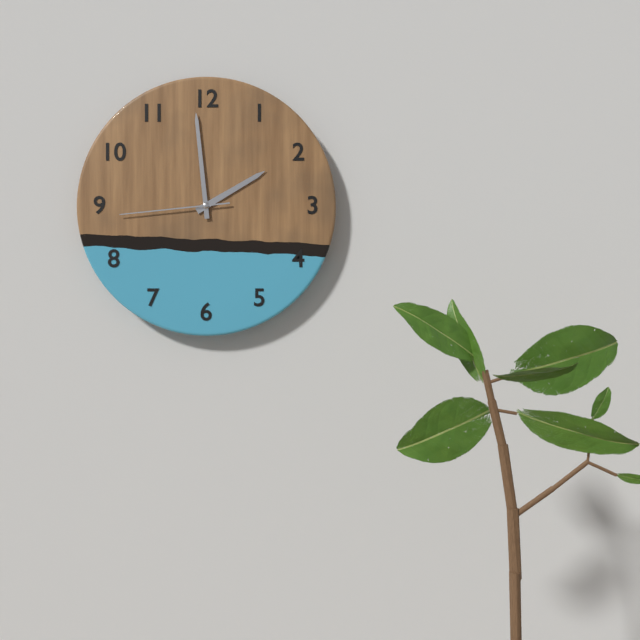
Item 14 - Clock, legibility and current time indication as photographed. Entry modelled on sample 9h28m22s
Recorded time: 1h59m44s
